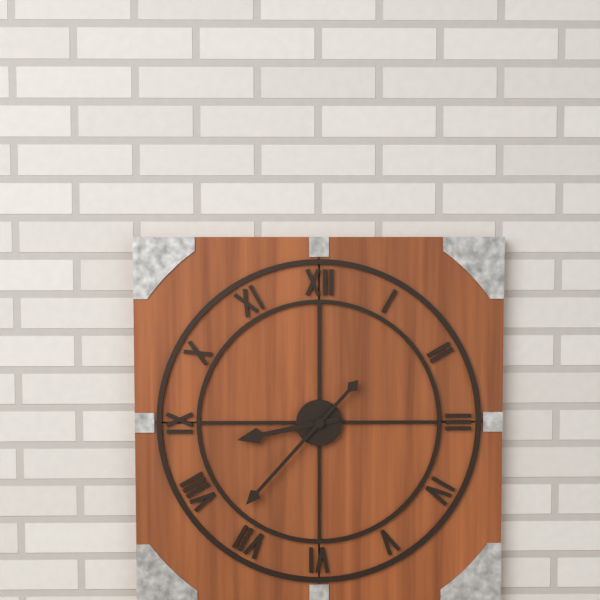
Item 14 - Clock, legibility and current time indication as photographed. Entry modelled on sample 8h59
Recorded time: 8h37
